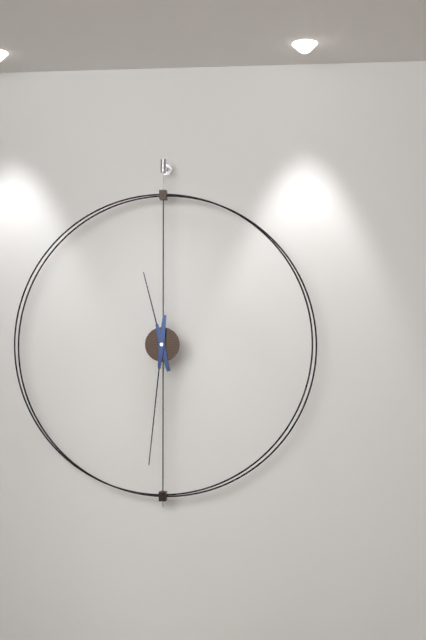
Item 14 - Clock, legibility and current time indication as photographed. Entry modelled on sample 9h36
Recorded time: 11h31
